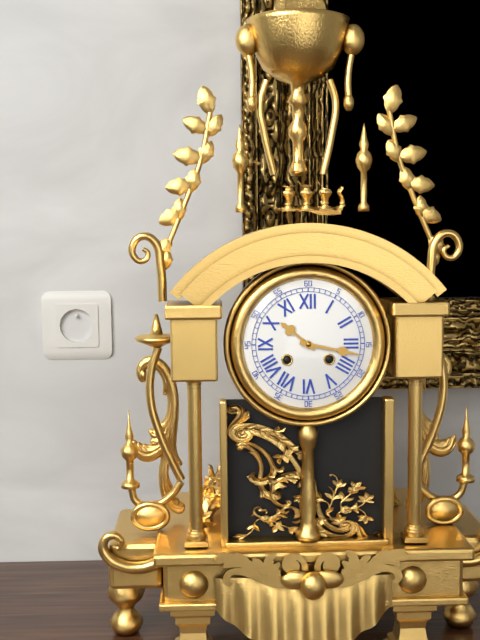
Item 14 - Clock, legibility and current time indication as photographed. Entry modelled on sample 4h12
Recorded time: 10h17
